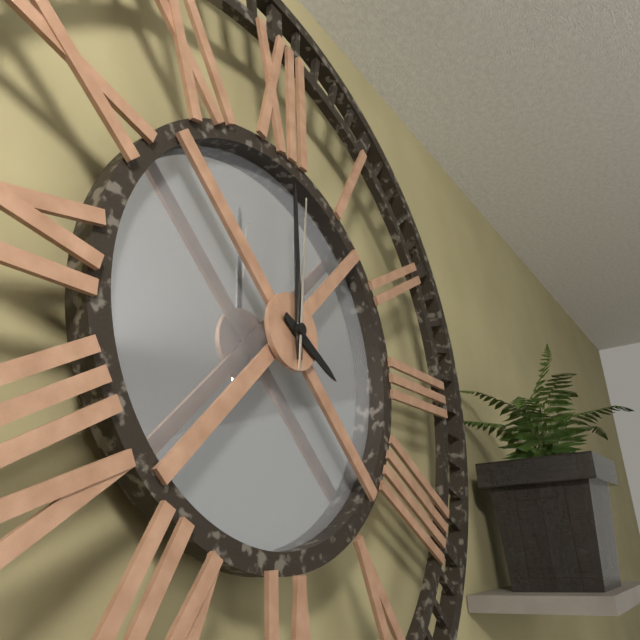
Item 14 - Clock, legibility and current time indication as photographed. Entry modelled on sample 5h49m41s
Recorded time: 4h00m01s
